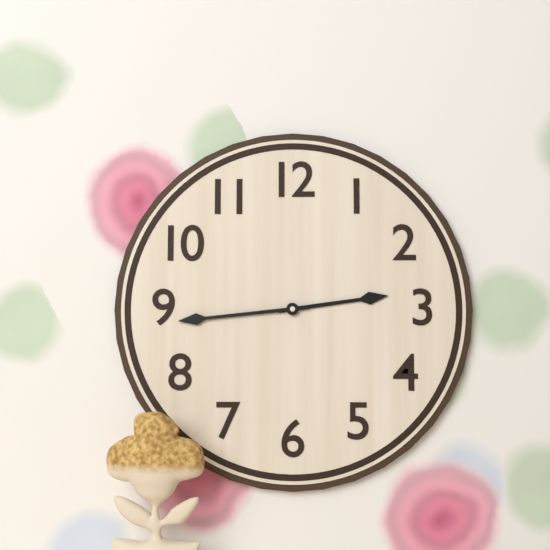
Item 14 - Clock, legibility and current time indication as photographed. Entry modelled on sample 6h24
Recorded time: 2h44
